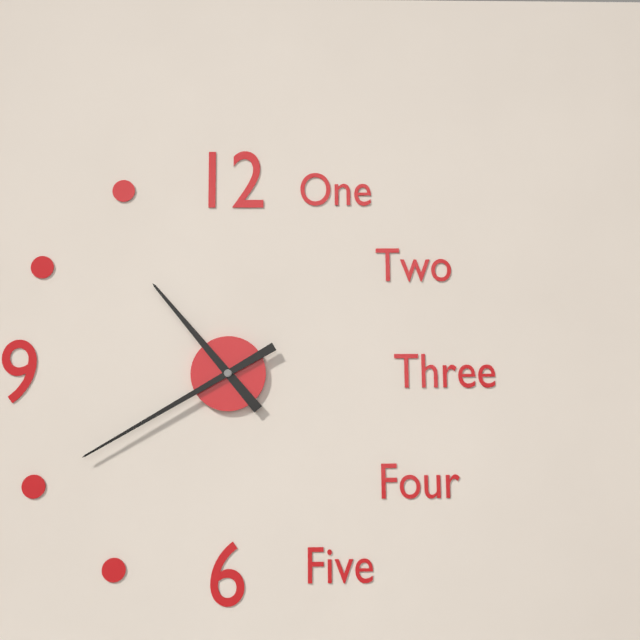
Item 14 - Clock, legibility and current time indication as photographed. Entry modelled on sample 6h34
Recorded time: 10h40
